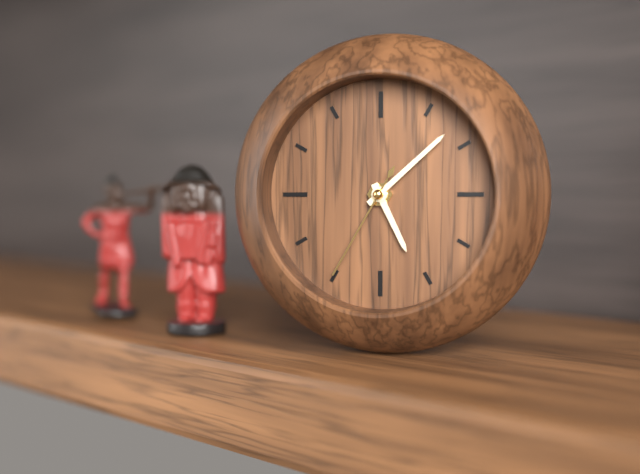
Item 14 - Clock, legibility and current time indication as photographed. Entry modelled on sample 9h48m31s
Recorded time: 5h08m35s
